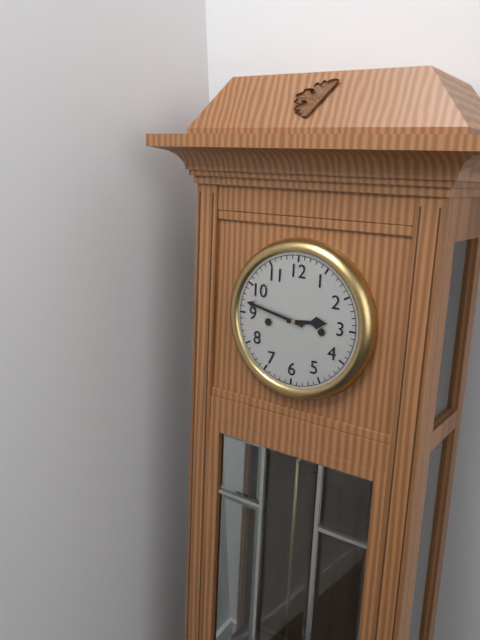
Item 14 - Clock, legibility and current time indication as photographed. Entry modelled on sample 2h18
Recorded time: 2h47
